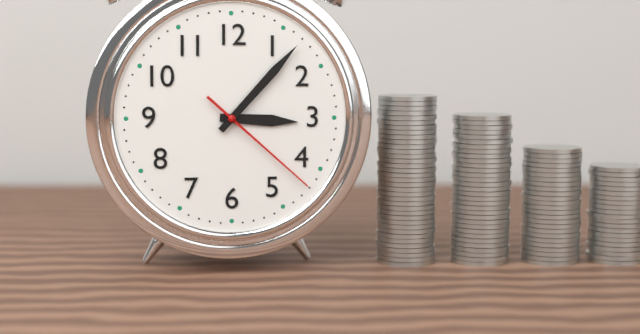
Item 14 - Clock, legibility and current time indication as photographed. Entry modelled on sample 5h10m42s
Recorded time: 3h07m22s
